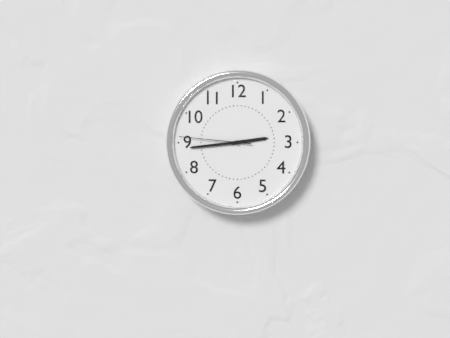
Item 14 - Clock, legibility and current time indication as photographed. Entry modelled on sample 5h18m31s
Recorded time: 2h44m46s
